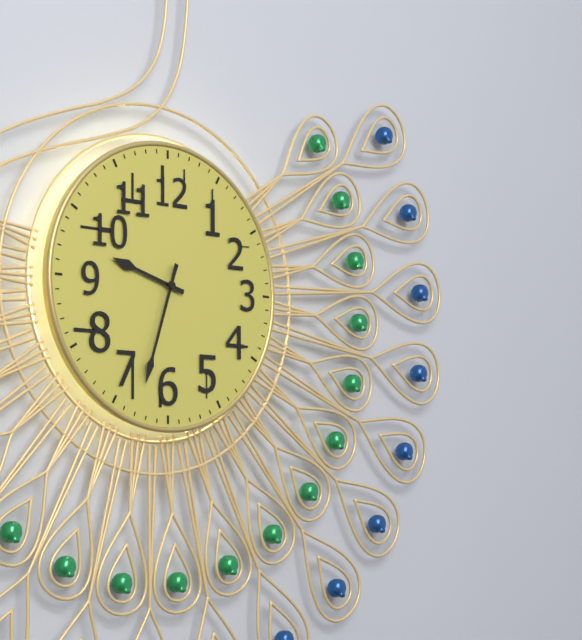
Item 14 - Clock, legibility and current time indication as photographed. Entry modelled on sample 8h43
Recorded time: 9h33
